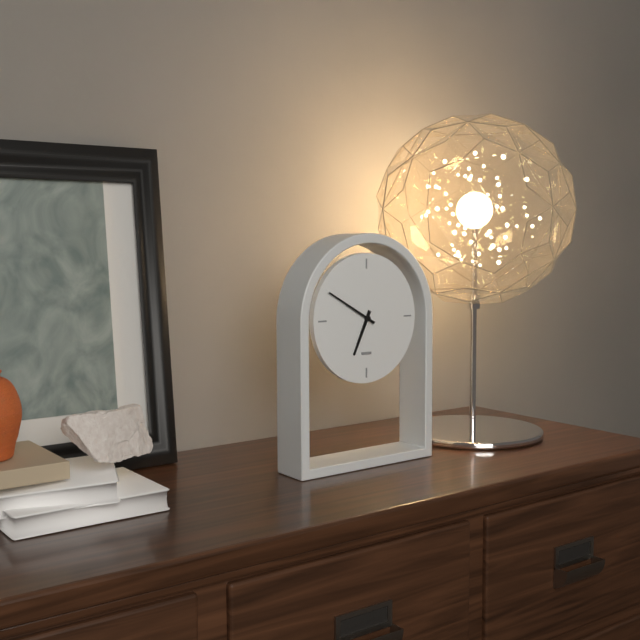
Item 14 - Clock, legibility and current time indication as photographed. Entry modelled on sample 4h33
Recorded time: 6h50
